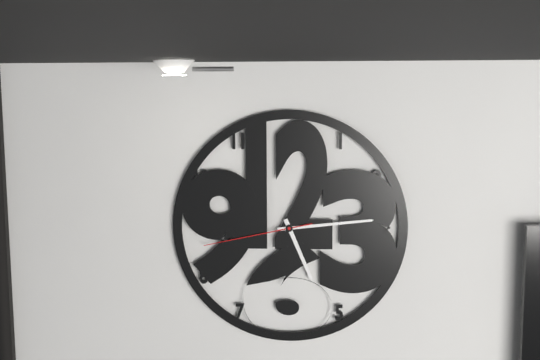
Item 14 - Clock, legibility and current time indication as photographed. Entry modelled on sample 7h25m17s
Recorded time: 5h14m43s
